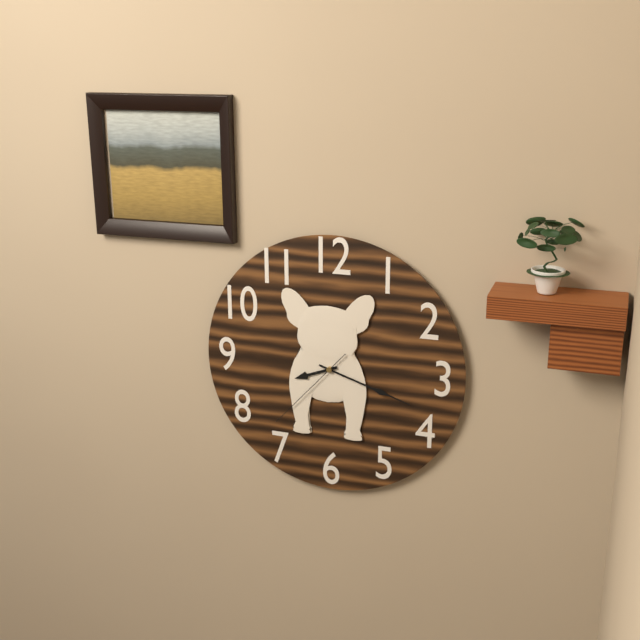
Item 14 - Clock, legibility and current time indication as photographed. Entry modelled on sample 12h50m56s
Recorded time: 8h18m37s
